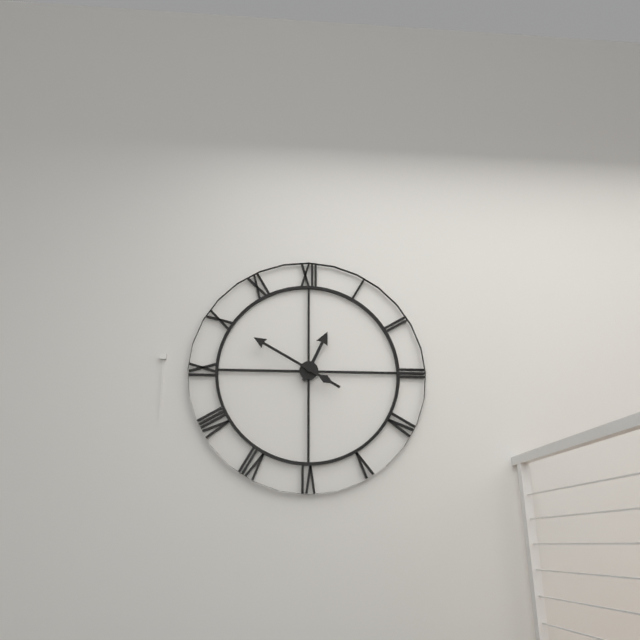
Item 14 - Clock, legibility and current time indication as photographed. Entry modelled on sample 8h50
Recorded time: 12h50
